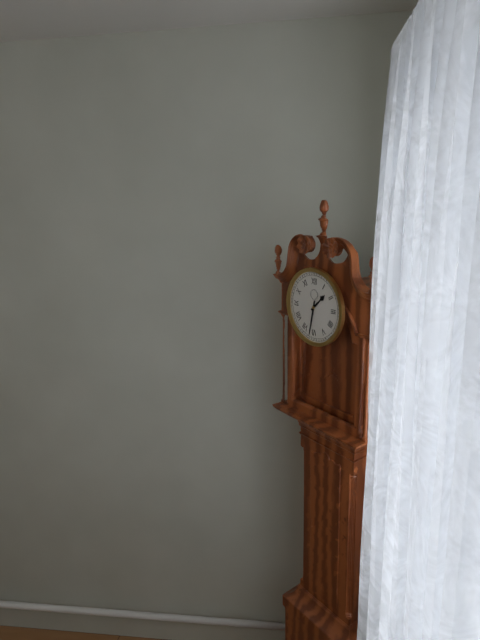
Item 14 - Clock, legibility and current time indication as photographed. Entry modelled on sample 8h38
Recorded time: 1h32
